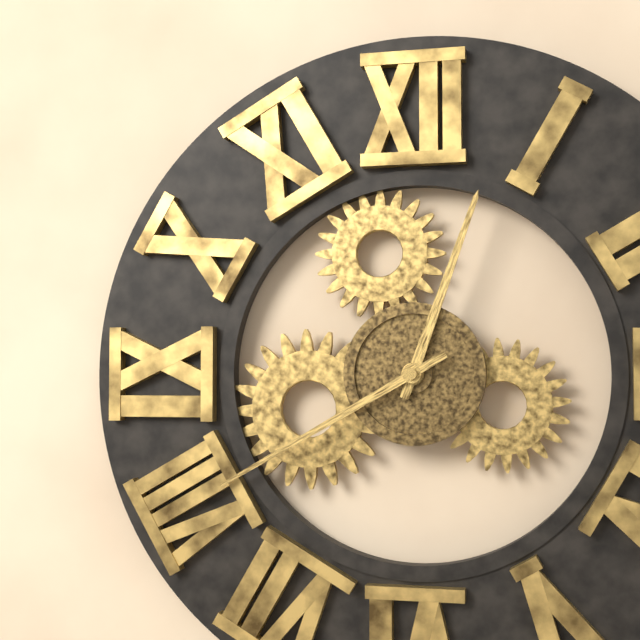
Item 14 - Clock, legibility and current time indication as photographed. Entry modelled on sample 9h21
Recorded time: 12h40
